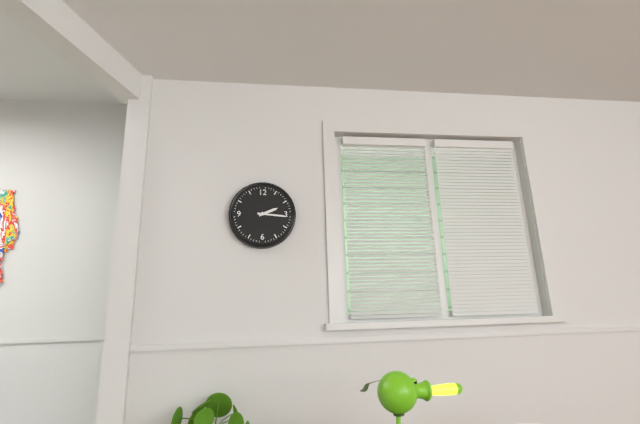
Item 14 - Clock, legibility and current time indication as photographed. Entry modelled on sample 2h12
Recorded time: 2h16
